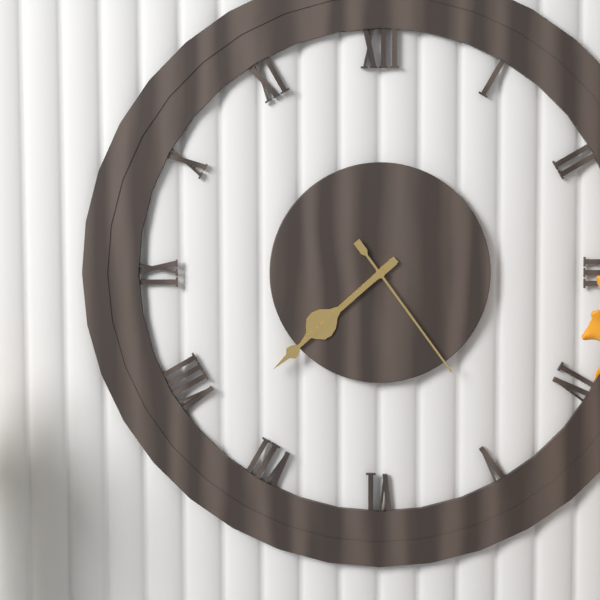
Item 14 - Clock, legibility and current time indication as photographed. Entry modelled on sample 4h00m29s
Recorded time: 7h38m24s
